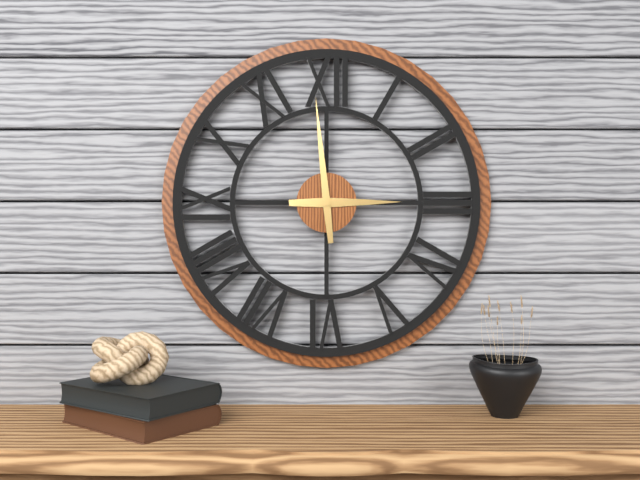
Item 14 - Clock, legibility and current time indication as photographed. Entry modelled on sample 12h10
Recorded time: 2h59
